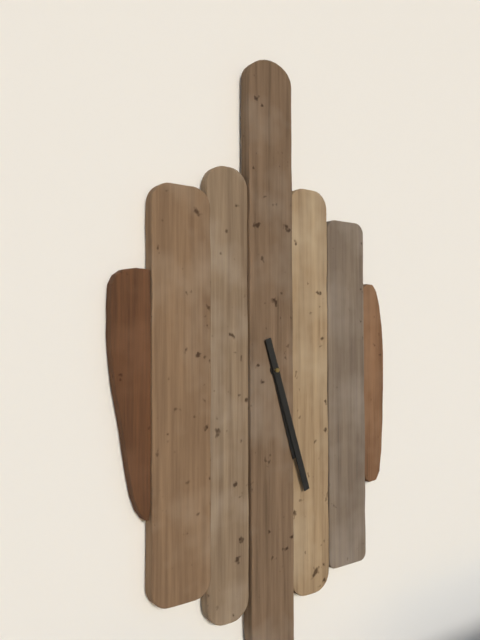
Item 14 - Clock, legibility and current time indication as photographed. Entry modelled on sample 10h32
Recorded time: 5h27
